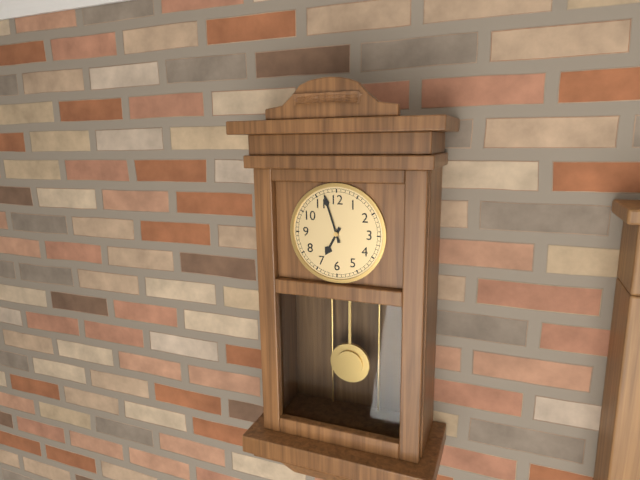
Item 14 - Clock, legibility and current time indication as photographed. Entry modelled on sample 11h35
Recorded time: 6h57
